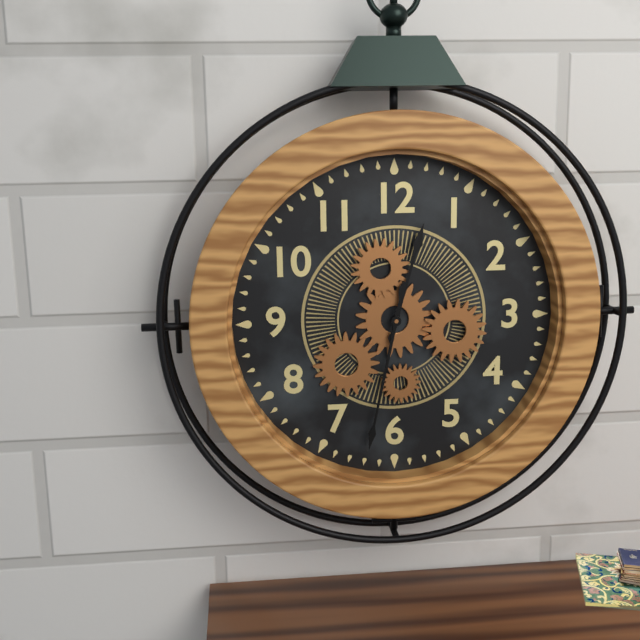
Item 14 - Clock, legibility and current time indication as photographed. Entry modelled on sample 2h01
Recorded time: 12h32
